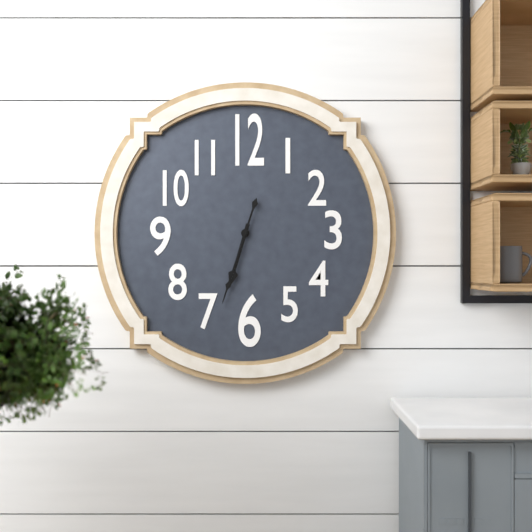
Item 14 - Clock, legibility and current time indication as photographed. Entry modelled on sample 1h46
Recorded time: 6h33
